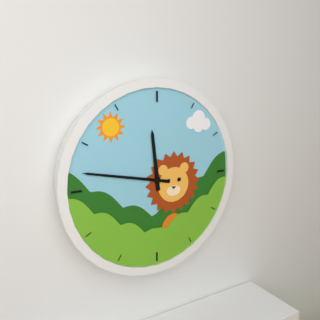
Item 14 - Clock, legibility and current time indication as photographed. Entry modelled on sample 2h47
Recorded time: 11h47
